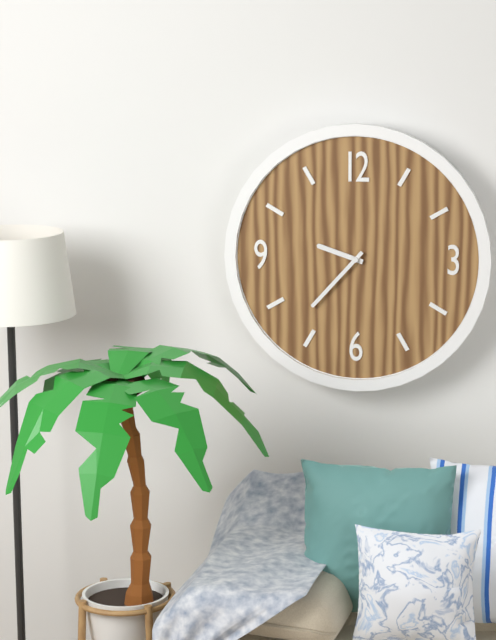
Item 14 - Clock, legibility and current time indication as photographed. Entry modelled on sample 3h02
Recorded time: 9h37
